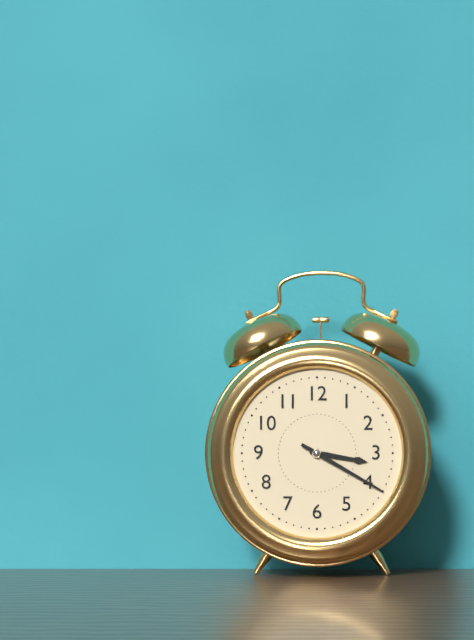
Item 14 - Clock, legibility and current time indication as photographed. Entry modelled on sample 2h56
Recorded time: 3h20
